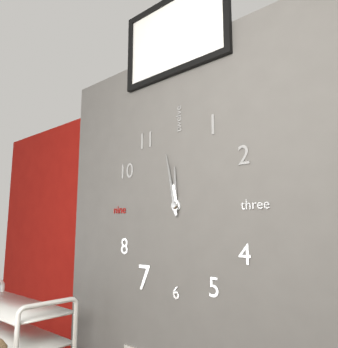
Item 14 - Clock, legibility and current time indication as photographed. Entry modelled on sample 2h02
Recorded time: 11h58
